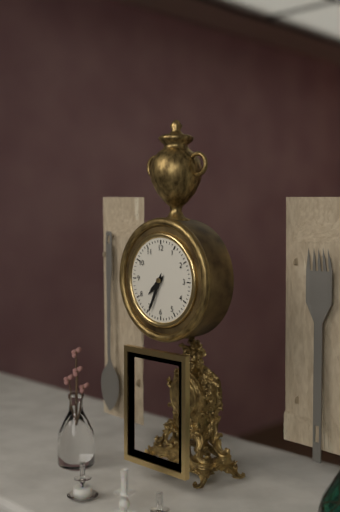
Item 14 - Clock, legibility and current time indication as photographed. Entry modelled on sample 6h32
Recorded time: 7h34
